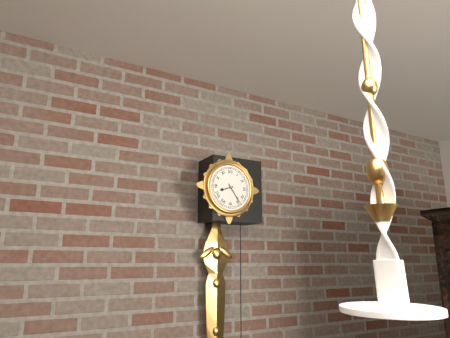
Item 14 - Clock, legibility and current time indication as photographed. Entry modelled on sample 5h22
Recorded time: 8h24
